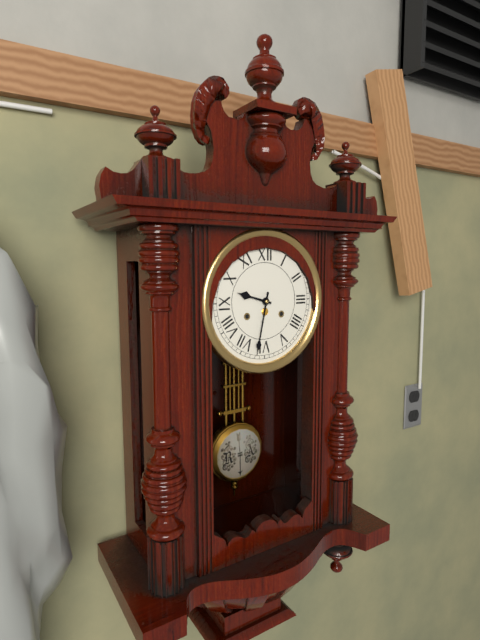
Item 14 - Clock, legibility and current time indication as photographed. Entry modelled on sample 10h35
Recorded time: 9h32
